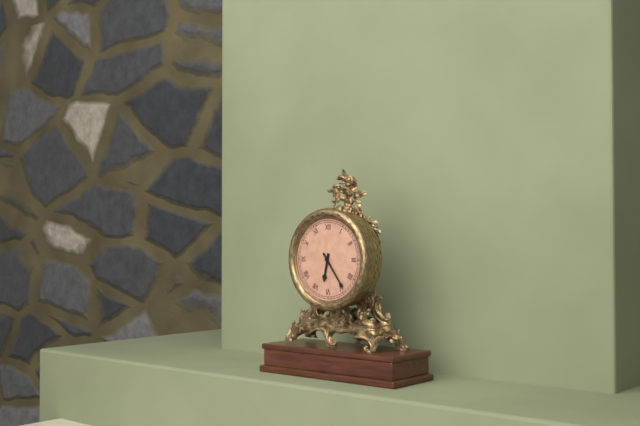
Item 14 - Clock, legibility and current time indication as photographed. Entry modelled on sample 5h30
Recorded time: 6h24
